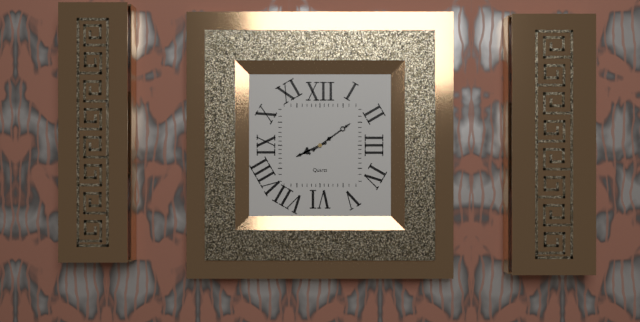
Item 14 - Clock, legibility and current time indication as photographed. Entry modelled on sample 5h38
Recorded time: 8h09
